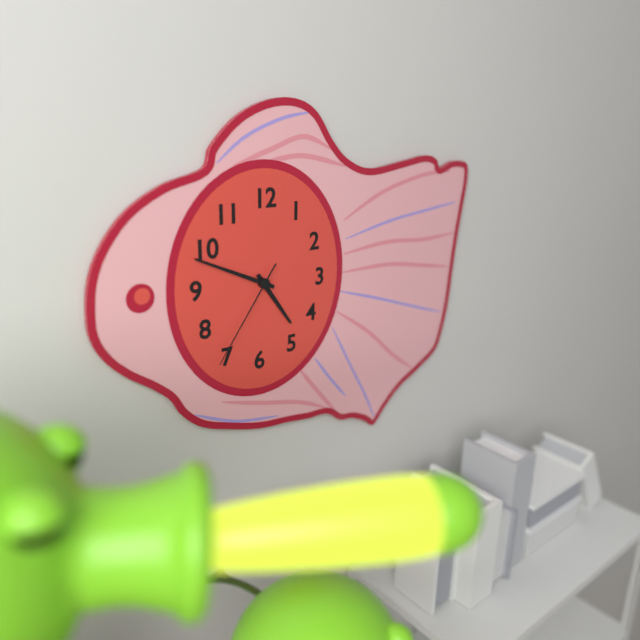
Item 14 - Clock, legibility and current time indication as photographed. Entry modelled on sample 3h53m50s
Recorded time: 4h49m36s
